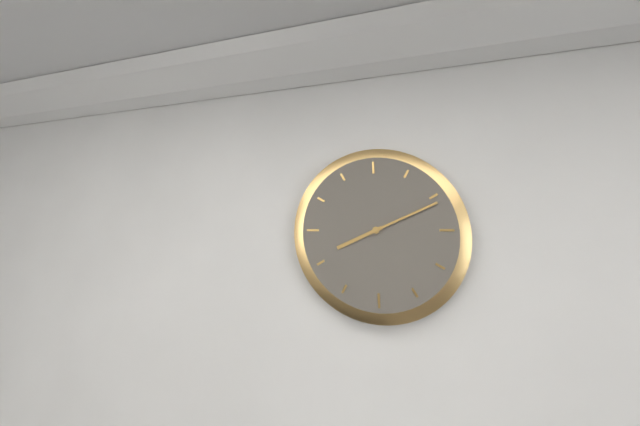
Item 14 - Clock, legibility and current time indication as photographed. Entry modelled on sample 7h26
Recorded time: 8h11
